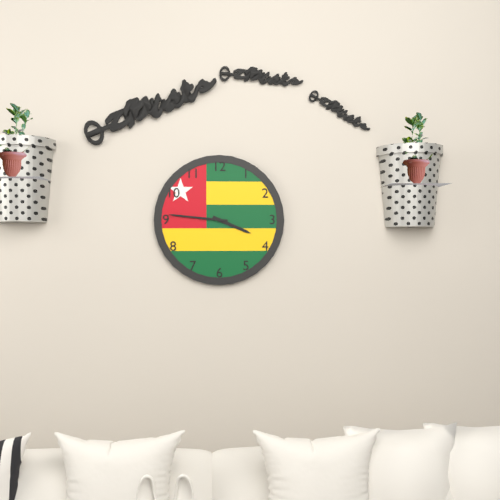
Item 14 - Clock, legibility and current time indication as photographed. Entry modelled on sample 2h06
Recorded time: 3h46
